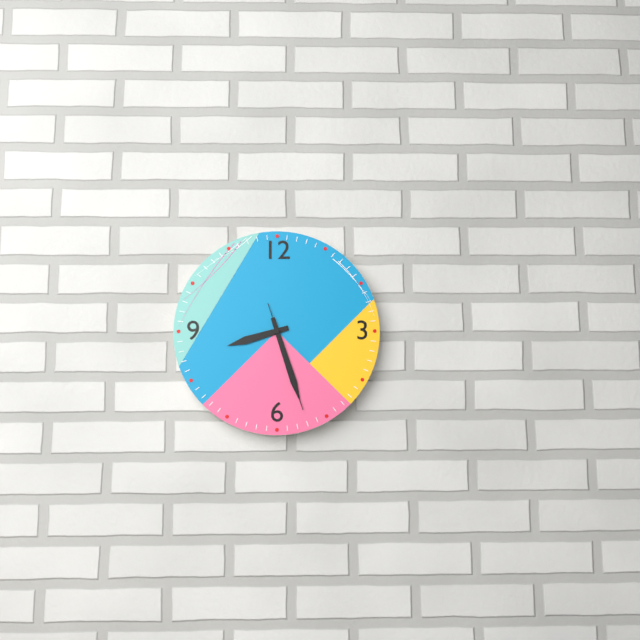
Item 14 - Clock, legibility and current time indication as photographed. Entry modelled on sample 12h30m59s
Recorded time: 8h27m27s
